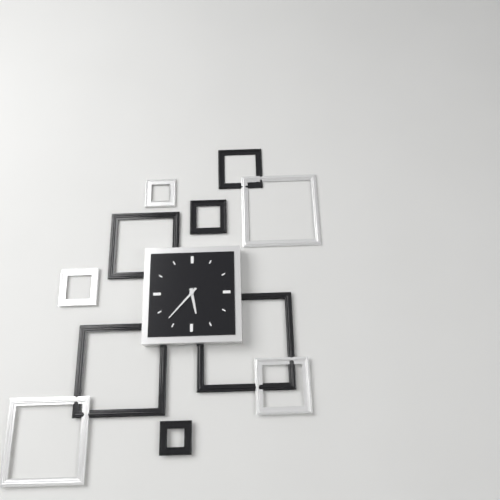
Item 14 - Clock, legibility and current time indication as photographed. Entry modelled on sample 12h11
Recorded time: 5h37
